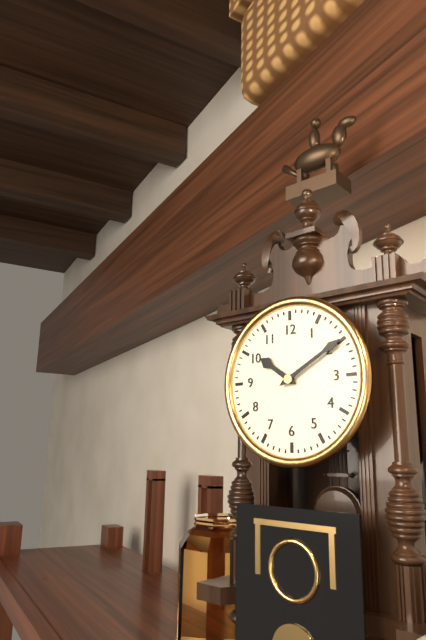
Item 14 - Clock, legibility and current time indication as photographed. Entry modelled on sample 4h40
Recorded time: 10h10
